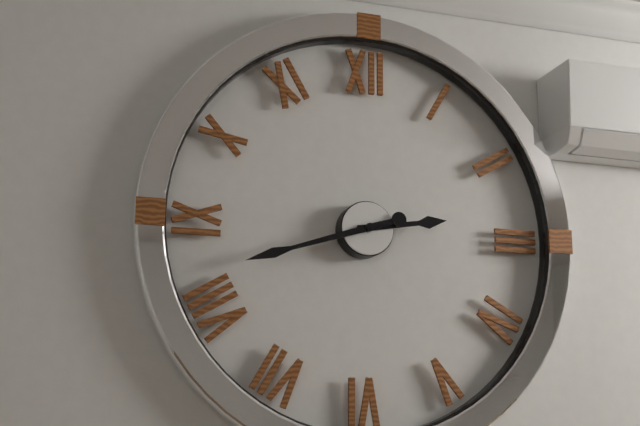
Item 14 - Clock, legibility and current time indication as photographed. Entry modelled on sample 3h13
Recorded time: 2h42
